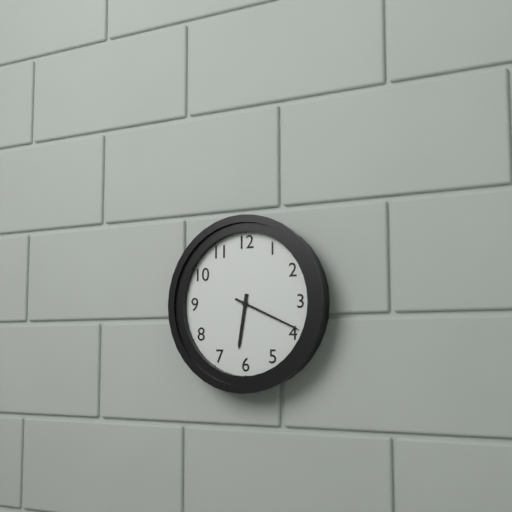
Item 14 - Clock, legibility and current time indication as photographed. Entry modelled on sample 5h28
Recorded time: 6h19
